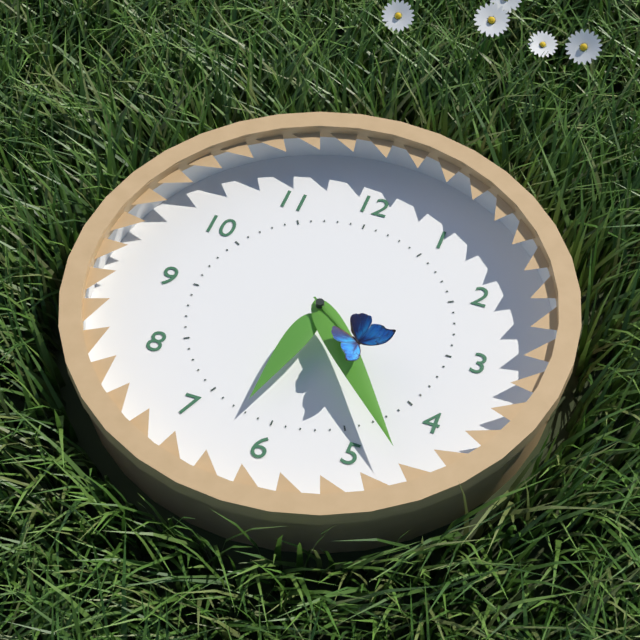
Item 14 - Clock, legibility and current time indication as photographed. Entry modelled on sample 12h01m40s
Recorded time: 6h23m21s
